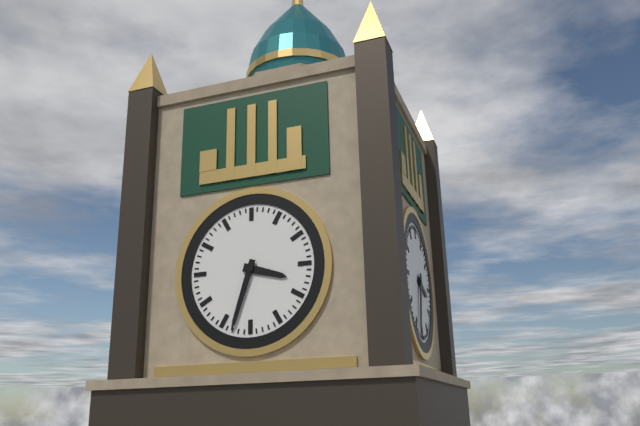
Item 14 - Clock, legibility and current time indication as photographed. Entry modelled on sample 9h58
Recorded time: 3h33
